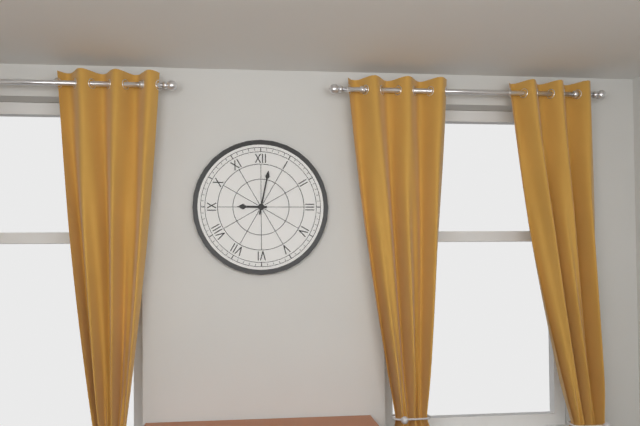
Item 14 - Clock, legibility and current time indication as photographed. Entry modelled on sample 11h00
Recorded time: 9h02
